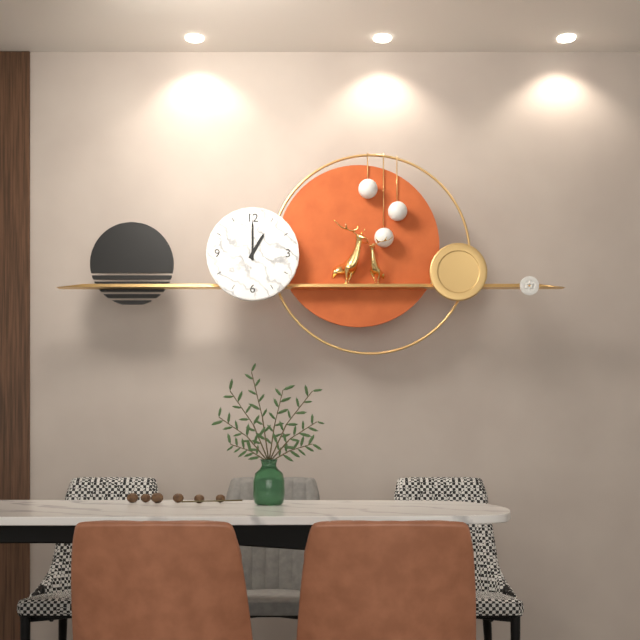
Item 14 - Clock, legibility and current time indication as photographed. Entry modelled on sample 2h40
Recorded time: 1h00
